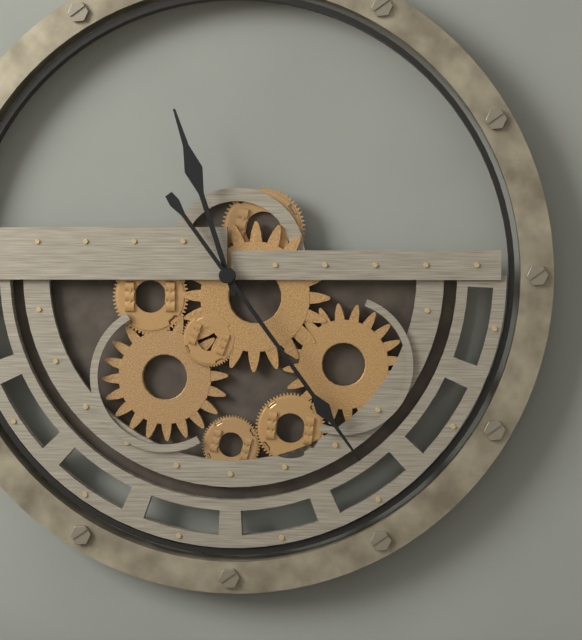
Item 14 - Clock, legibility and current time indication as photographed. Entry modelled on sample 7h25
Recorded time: 11h24
